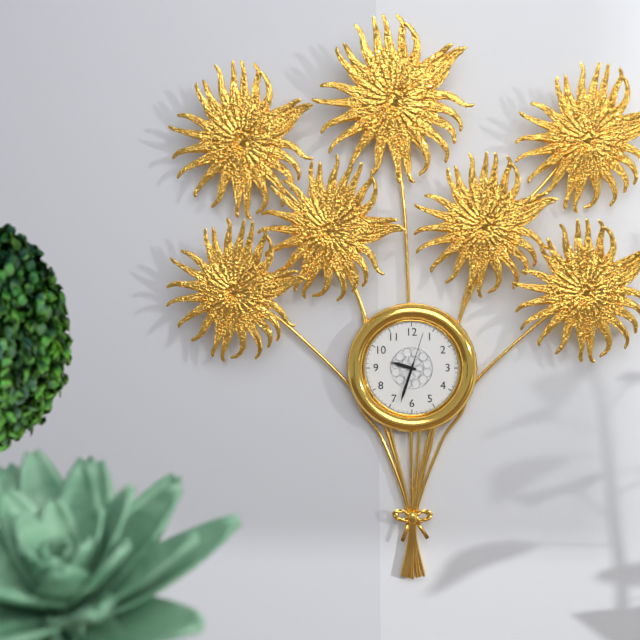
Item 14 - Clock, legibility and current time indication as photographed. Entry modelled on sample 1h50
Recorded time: 9h33
